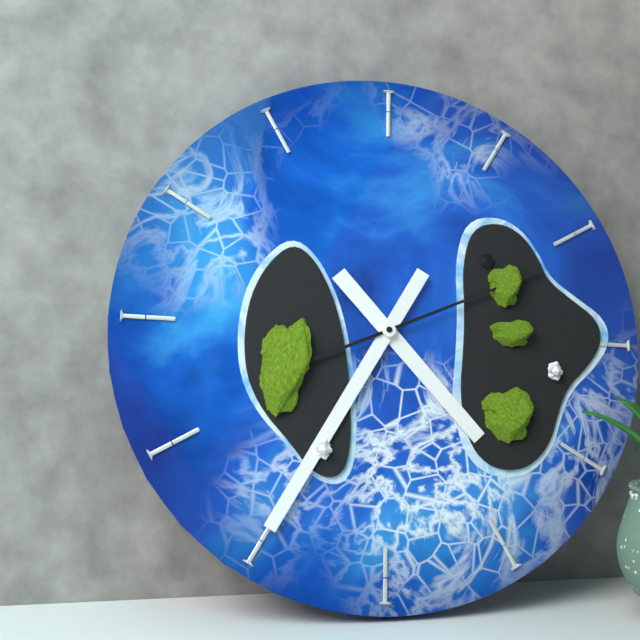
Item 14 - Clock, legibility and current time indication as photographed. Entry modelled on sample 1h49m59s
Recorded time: 4h35m11s
